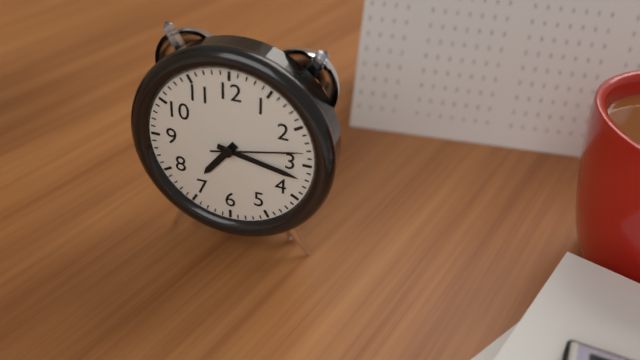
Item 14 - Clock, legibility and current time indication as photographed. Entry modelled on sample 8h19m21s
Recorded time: 7h17m13s
